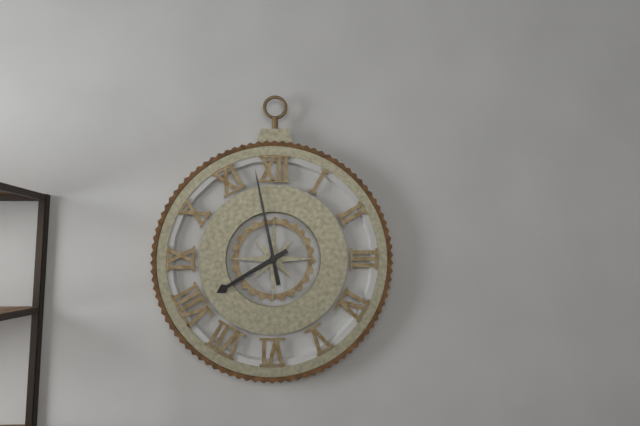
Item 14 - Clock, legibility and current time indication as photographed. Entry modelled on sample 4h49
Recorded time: 7h58
